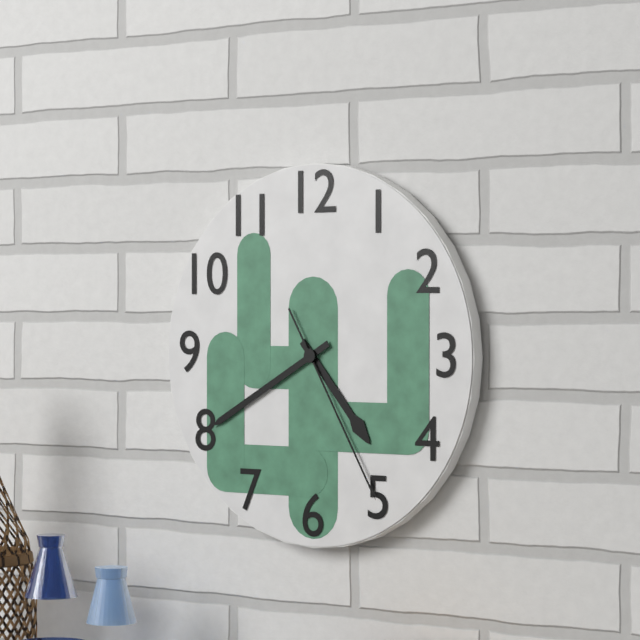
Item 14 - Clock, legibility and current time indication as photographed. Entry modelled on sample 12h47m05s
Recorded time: 4h40m25s
